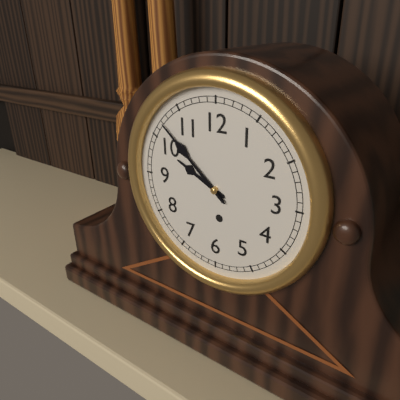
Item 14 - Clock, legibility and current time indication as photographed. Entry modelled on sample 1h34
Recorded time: 9h52
